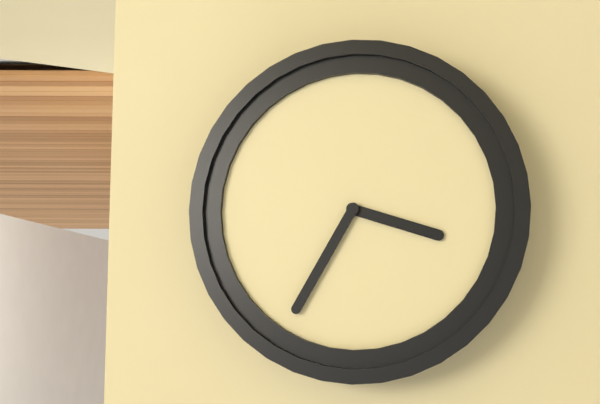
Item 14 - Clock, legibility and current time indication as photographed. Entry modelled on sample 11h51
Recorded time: 3h35
